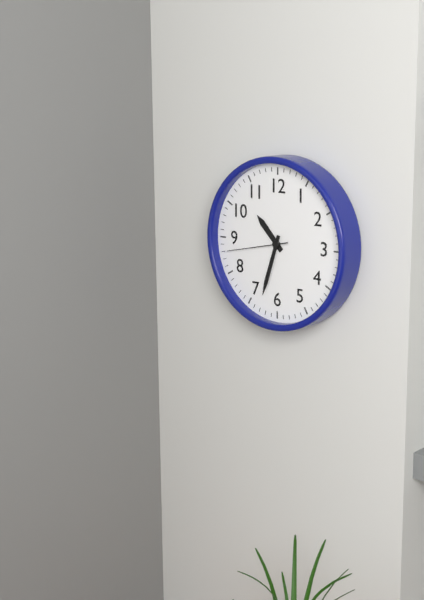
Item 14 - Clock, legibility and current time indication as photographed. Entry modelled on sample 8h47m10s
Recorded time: 10h33m43s
